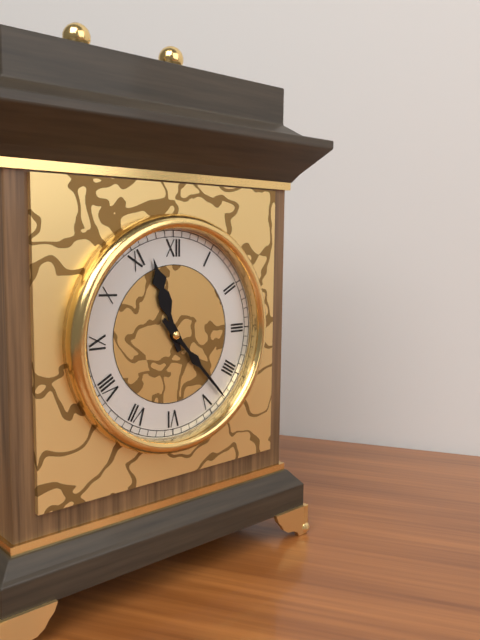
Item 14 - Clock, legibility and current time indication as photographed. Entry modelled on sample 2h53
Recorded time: 11h23
